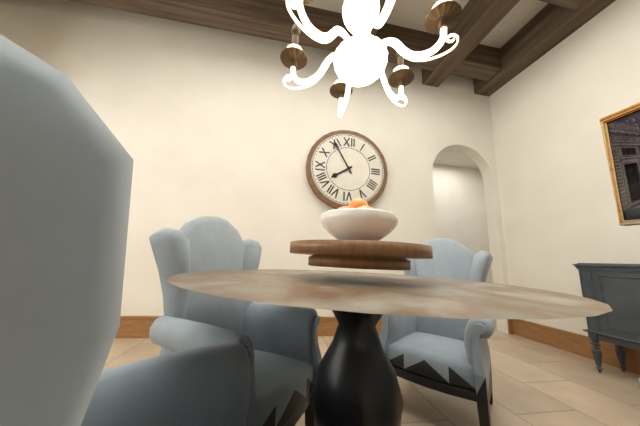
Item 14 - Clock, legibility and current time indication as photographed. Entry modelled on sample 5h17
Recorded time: 7h55
